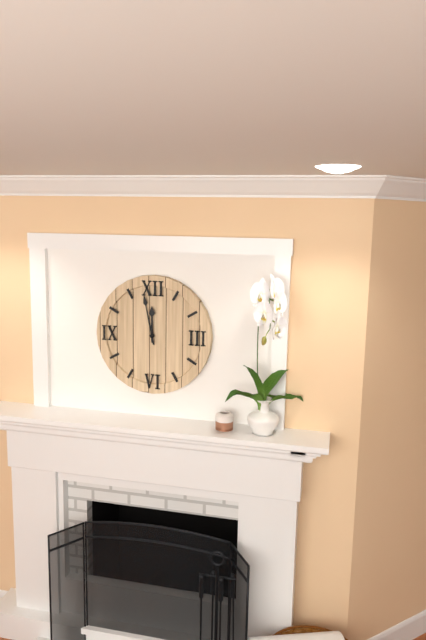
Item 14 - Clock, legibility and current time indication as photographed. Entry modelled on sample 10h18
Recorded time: 11h58
